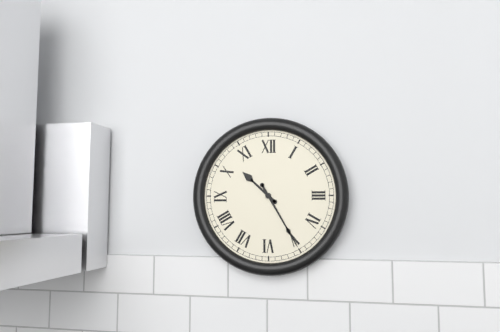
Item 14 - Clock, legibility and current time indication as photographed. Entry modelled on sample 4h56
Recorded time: 10h25
